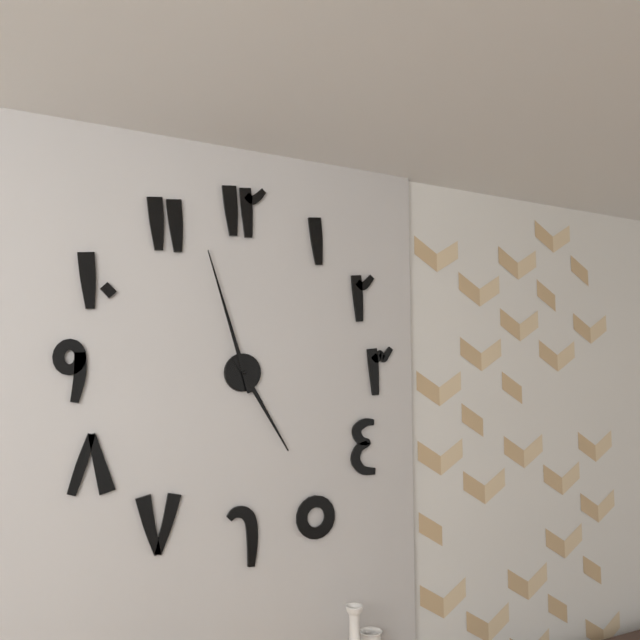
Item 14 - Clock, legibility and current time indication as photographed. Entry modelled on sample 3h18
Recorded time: 4h57
